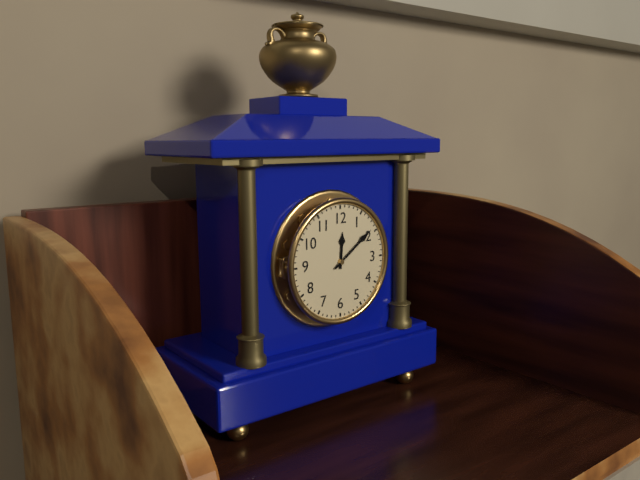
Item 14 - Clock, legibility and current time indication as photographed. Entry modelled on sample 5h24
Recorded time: 12h09
